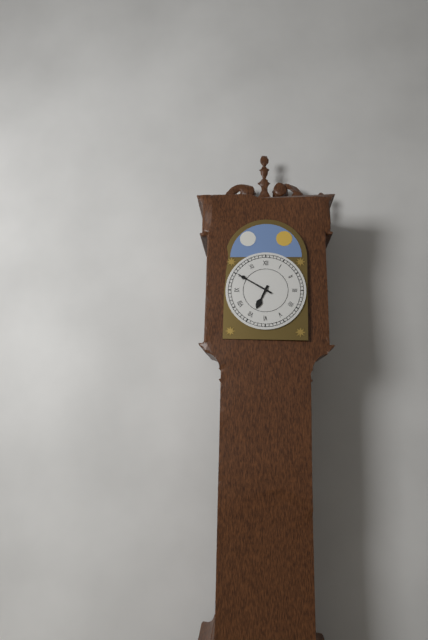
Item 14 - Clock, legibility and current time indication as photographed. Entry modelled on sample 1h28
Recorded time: 6h50
